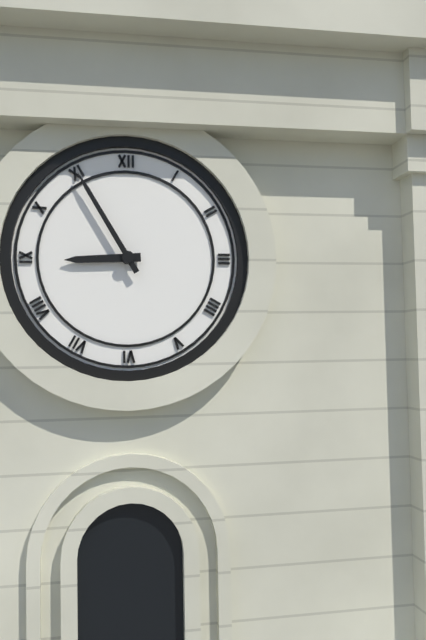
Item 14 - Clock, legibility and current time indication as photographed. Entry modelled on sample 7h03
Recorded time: 8h55
